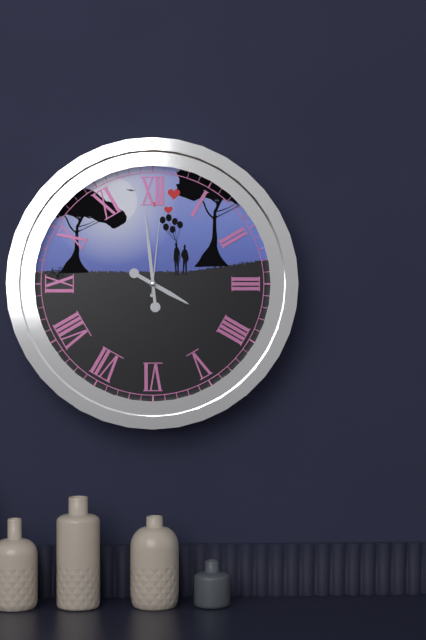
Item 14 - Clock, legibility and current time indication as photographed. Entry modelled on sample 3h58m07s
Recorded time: 3h59m01s
